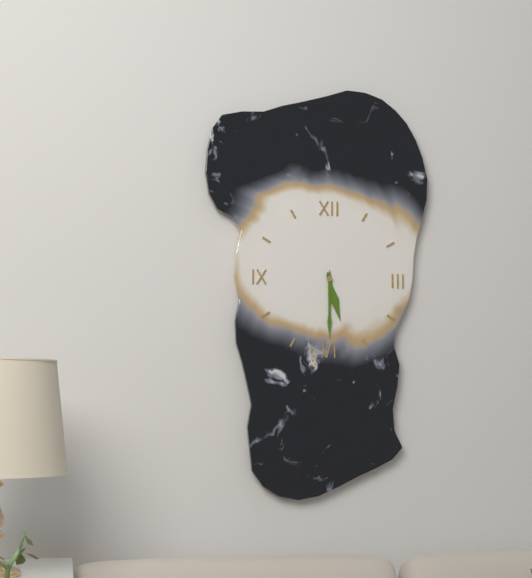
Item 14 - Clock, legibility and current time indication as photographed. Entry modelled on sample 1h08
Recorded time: 5h30
